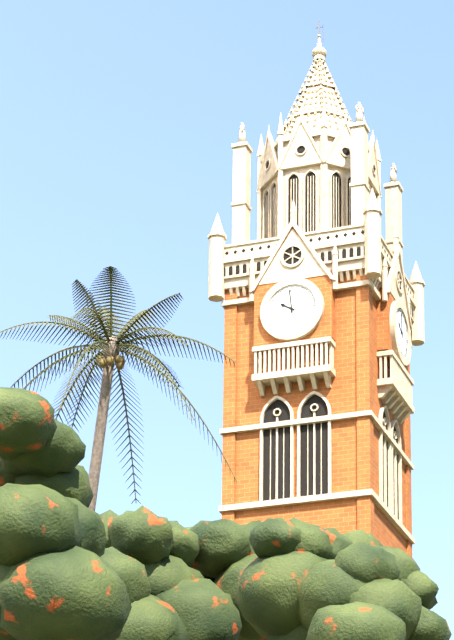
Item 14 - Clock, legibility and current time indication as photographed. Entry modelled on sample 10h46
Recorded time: 9h59
